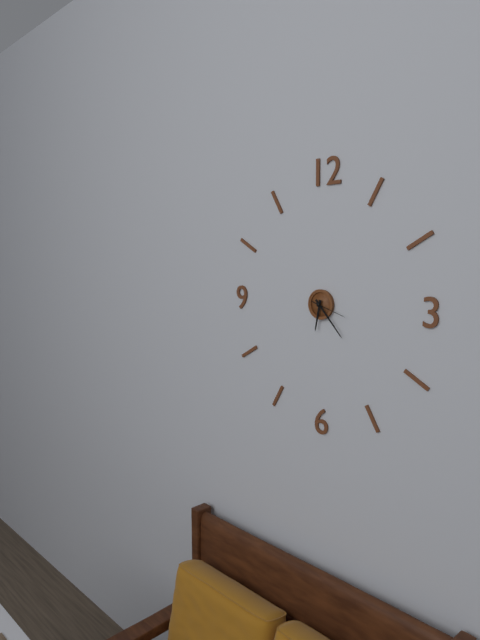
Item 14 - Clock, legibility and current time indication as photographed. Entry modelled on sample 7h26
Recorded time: 6h23
